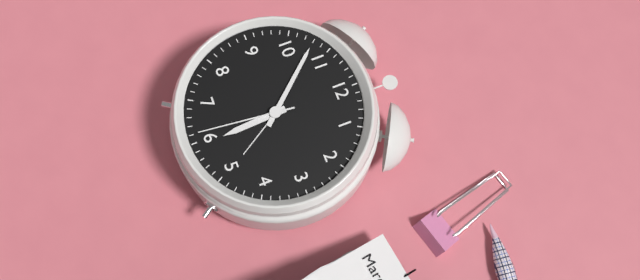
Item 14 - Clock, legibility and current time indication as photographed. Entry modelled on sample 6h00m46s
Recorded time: 5h53m31s
